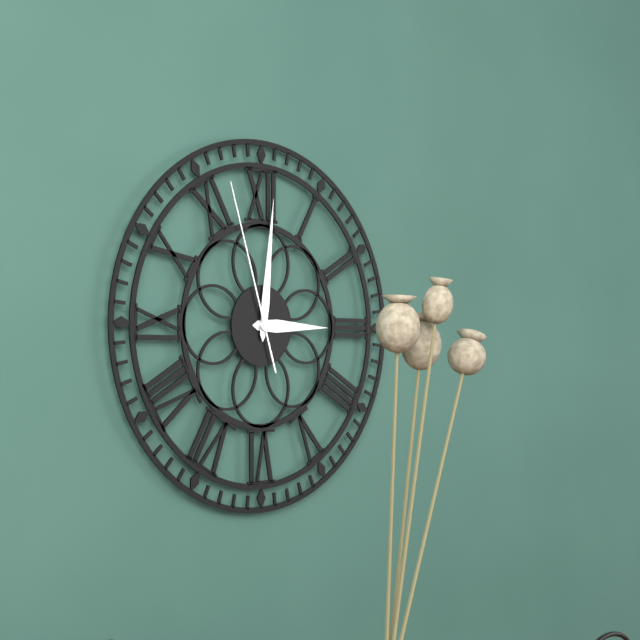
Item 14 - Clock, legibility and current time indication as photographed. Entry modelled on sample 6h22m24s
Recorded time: 3h01m57s
